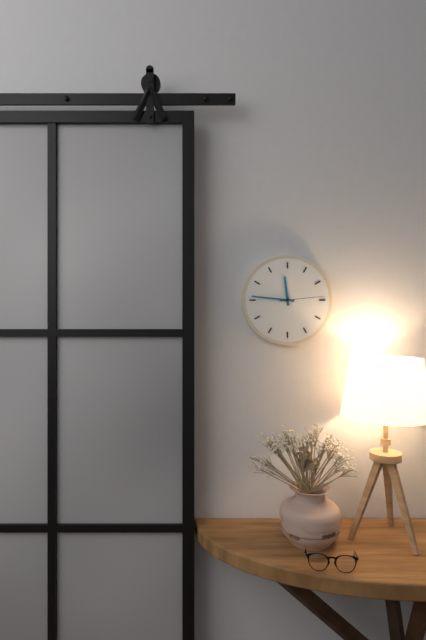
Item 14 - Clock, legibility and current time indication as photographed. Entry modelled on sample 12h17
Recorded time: 11h46
